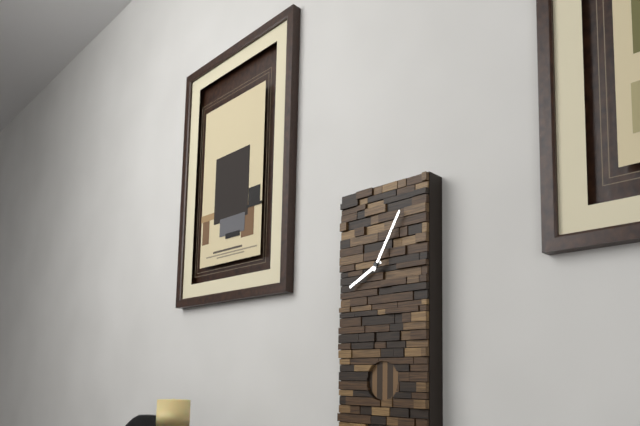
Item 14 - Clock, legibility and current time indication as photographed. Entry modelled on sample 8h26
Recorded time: 8h05
